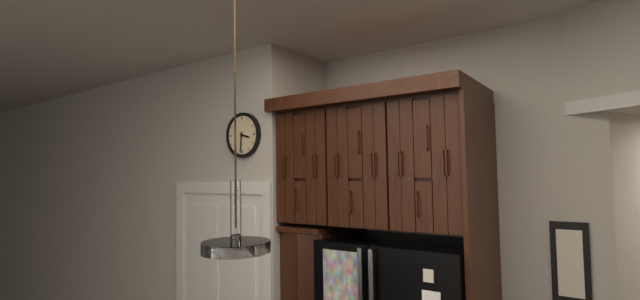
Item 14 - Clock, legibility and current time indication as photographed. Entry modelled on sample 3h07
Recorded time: 3h31
